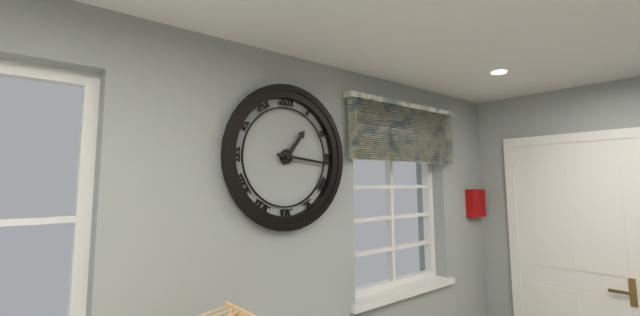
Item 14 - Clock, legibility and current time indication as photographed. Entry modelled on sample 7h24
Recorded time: 1h16
